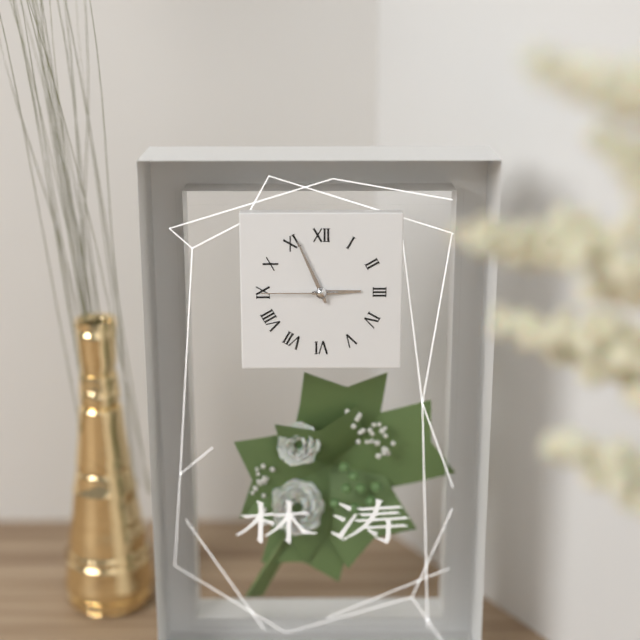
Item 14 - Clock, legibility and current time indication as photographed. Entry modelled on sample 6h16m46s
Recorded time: 2h56m45s
